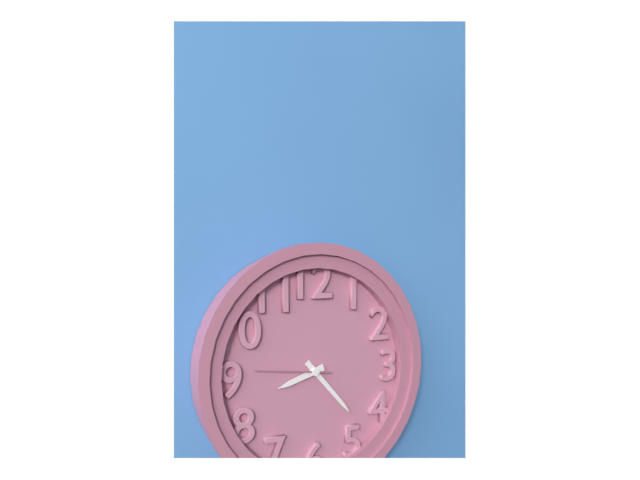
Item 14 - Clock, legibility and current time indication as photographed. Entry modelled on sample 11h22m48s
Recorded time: 8h23m46s
